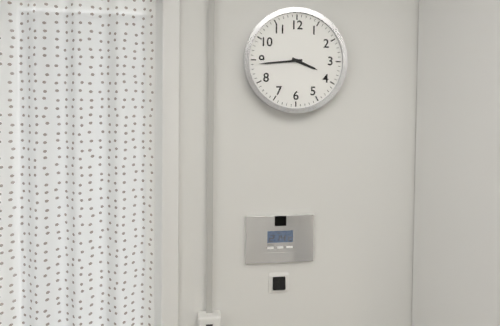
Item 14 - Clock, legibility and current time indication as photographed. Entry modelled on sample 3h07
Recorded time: 3h44
